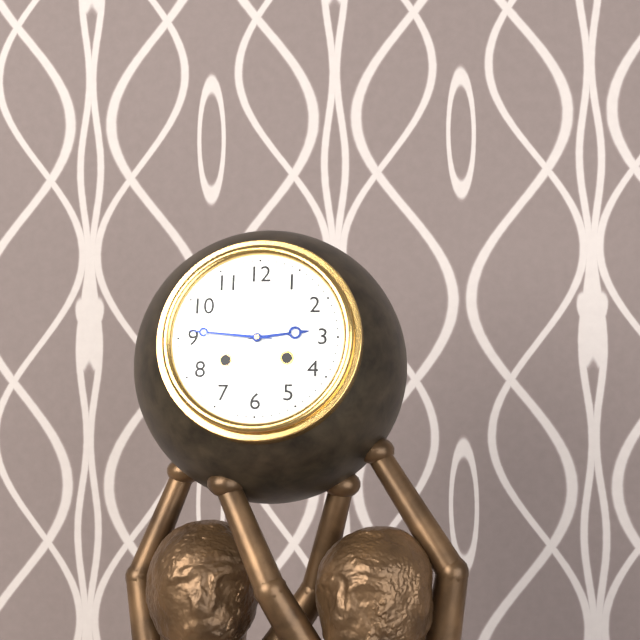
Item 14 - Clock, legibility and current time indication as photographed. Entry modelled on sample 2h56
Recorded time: 2h46
